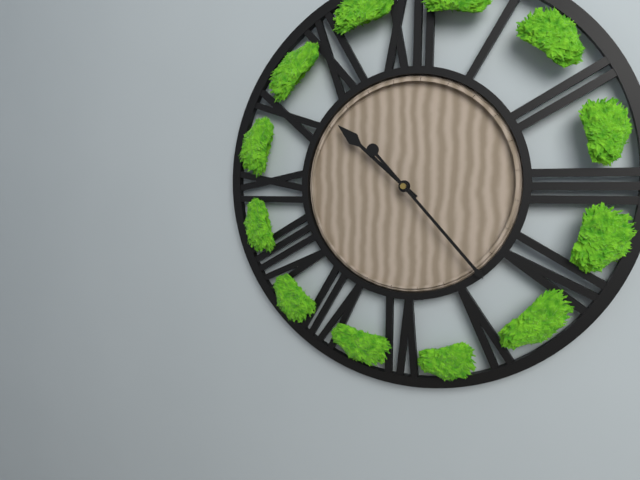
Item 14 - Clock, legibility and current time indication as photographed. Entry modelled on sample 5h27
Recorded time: 10h23
